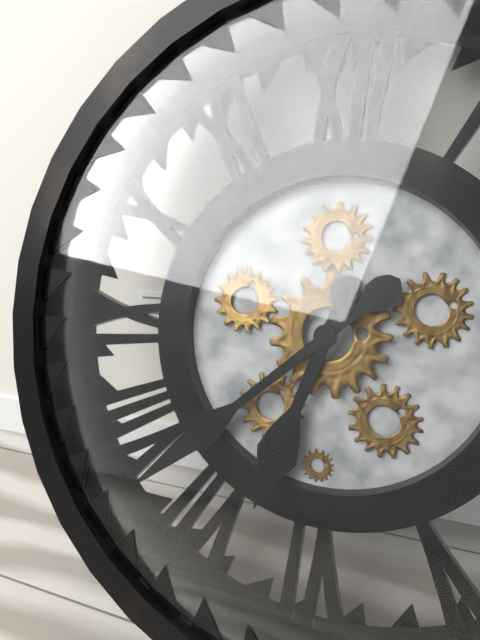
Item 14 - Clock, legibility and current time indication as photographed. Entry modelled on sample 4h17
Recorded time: 6h38
